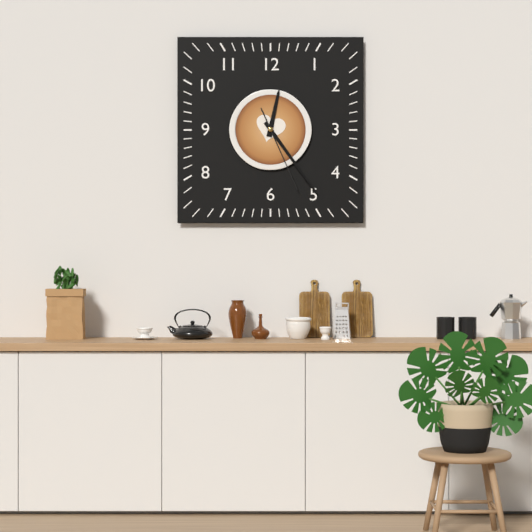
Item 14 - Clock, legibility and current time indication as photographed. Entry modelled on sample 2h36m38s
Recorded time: 12h24m26s
